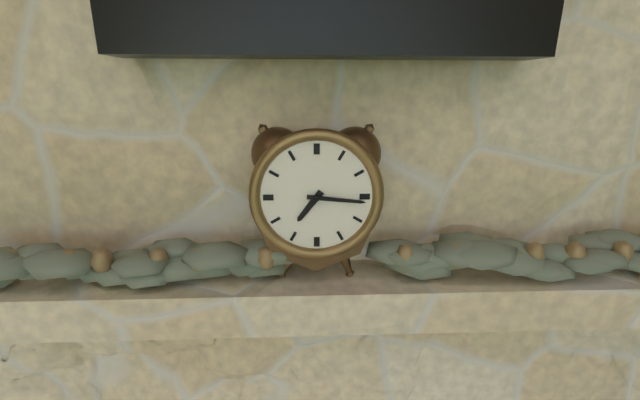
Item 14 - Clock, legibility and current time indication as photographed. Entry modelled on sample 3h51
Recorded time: 7h16
